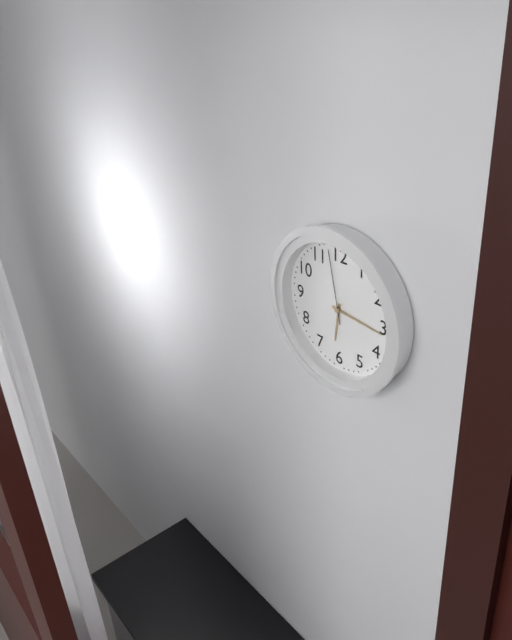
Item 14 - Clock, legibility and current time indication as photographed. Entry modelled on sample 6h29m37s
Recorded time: 6h16m58s
